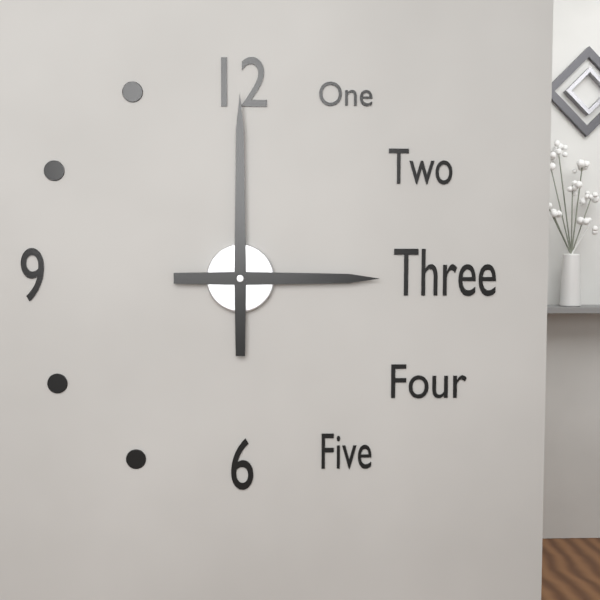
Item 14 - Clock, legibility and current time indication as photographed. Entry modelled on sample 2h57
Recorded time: 3h00
